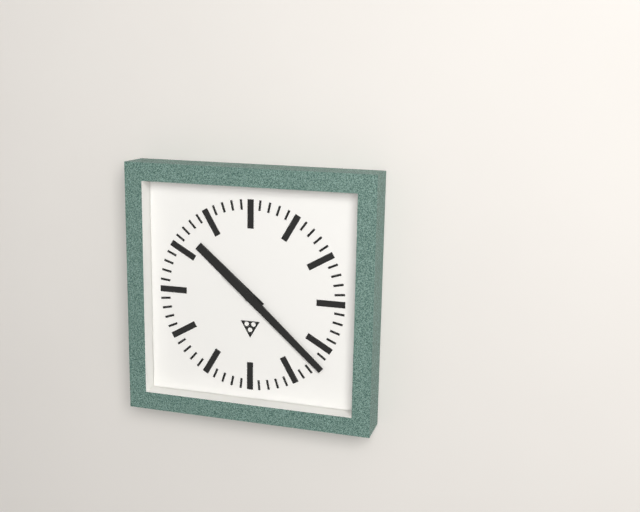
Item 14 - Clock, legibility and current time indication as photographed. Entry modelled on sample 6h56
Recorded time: 10h22
